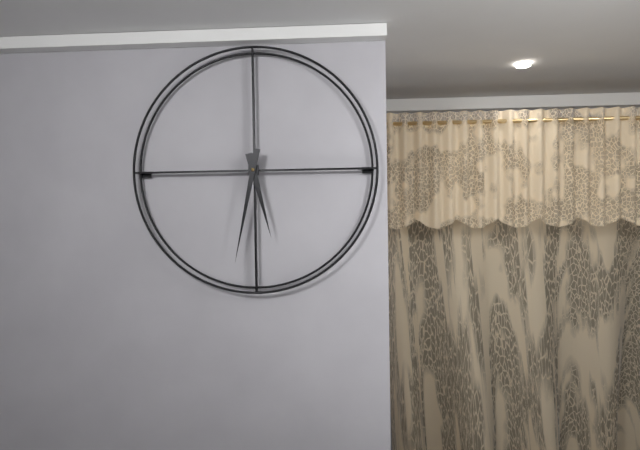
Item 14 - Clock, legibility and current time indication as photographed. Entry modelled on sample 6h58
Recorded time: 5h32
